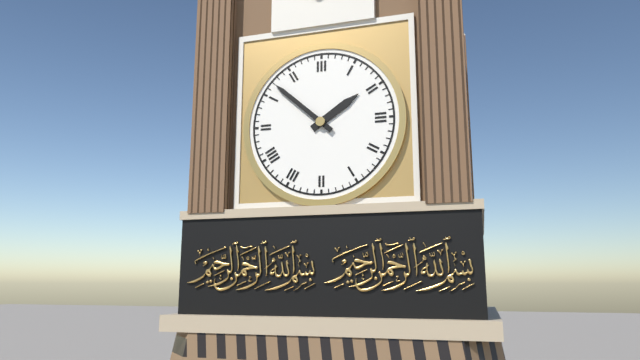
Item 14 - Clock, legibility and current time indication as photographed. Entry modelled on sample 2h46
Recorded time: 1h52
